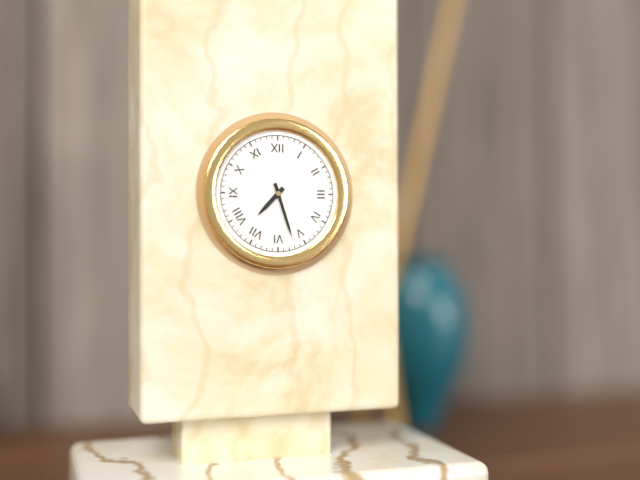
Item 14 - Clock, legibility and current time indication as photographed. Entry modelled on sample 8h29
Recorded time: 7h27
